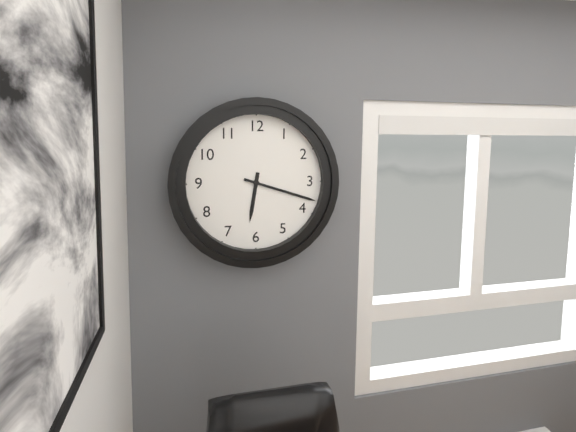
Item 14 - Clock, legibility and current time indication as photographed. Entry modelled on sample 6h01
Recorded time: 6h18
